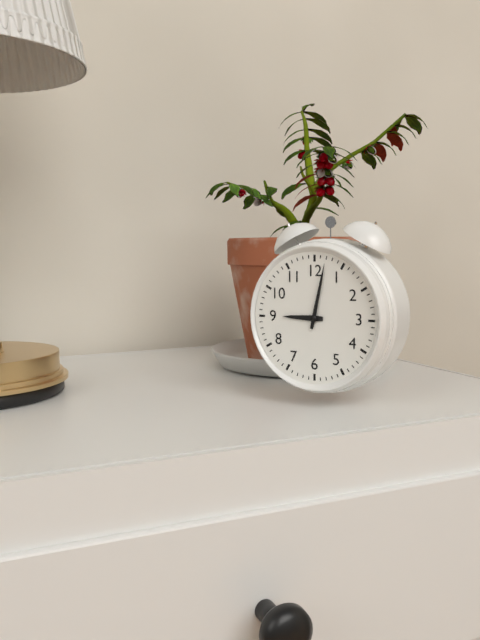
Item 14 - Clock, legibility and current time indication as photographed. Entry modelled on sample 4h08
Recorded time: 9h02
